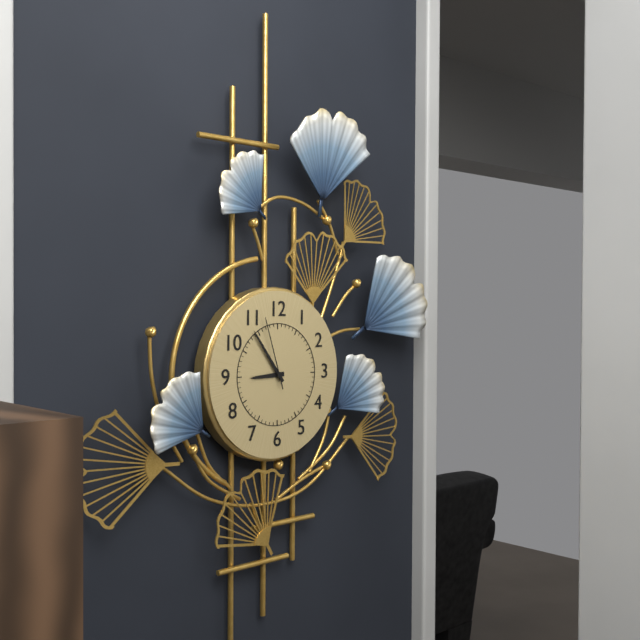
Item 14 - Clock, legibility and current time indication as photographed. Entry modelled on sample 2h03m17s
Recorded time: 8h54m57s
